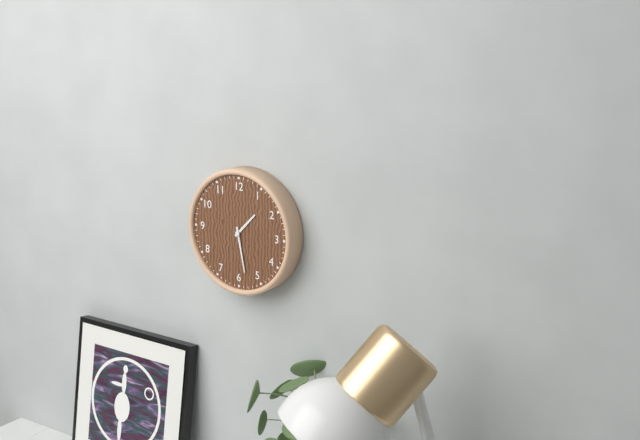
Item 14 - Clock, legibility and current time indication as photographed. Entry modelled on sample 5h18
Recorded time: 1h28
